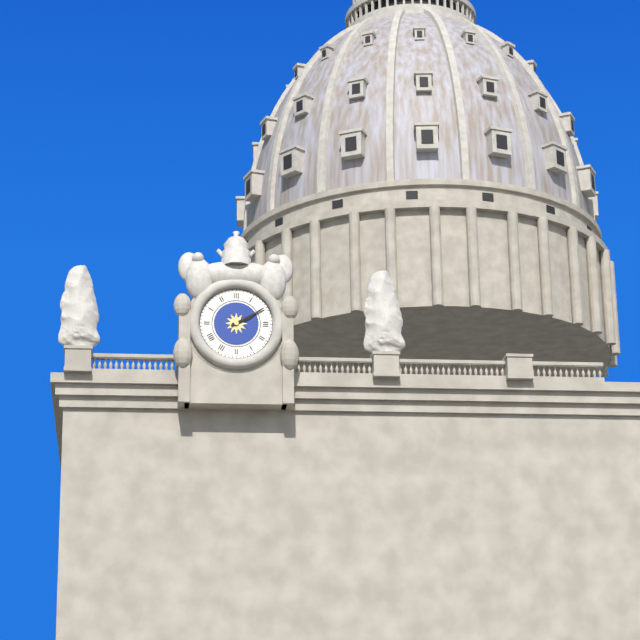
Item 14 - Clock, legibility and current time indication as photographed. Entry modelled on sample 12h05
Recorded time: 2h10
